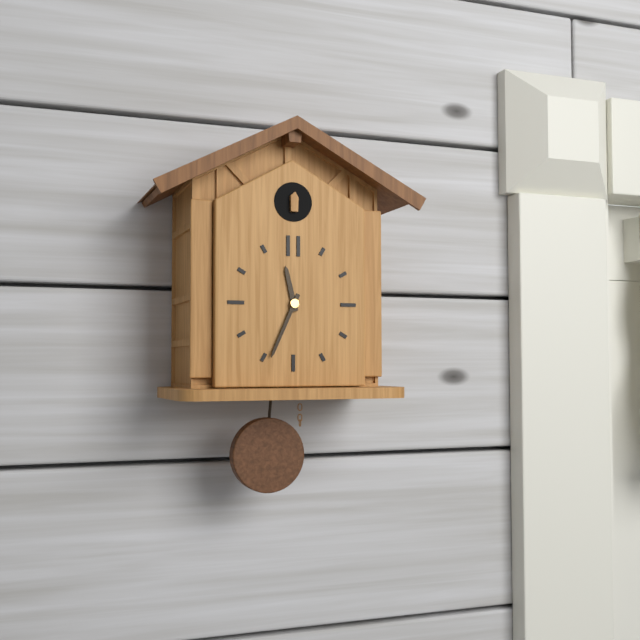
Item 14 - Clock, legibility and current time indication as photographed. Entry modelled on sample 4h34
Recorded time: 11h34
